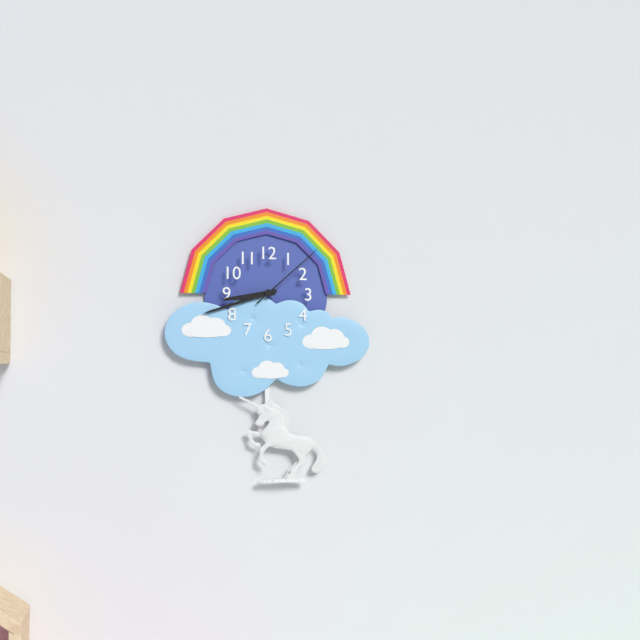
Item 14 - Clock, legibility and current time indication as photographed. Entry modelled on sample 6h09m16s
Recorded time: 8h42m08s
